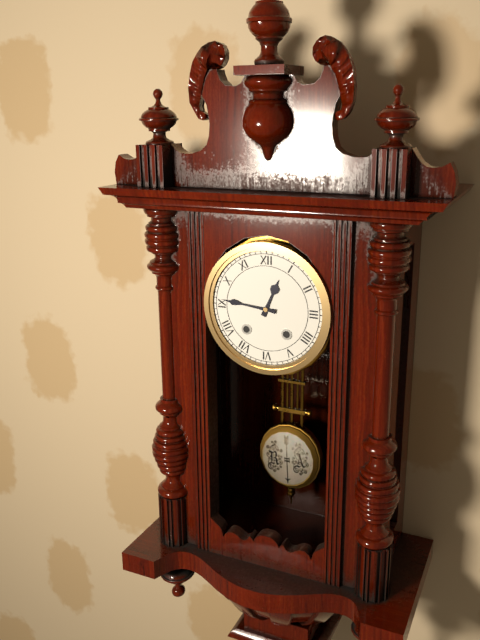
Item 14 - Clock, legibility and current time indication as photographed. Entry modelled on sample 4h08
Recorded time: 12h46
